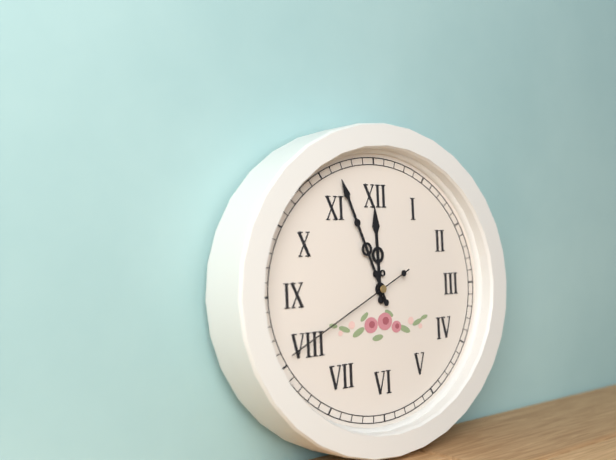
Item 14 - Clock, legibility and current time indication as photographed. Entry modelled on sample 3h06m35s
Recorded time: 11h56m41s
